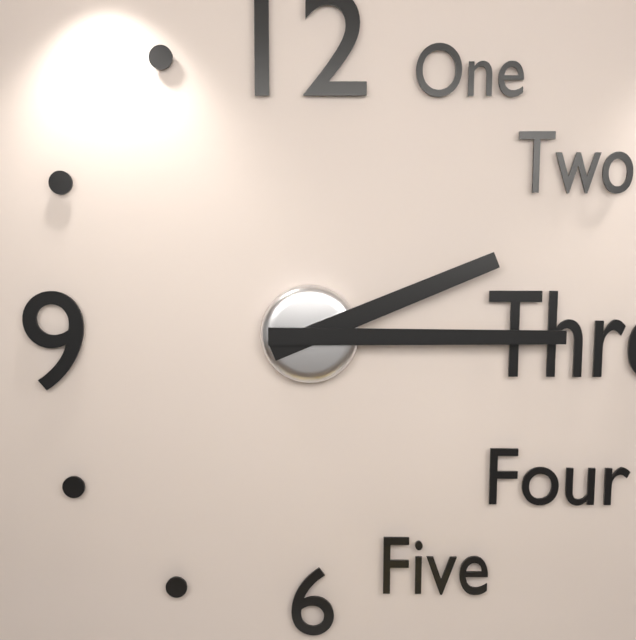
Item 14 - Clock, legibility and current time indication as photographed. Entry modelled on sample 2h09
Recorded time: 2h15
